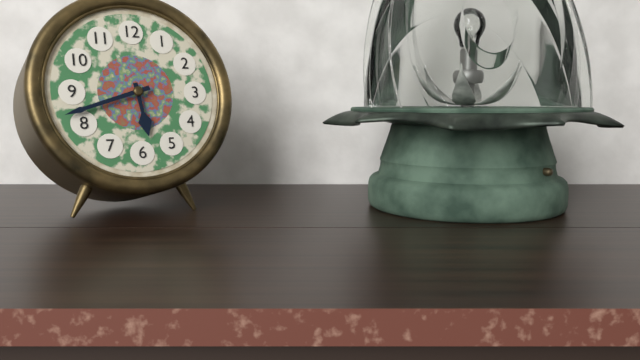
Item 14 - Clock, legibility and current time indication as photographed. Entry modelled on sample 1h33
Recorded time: 5h42
